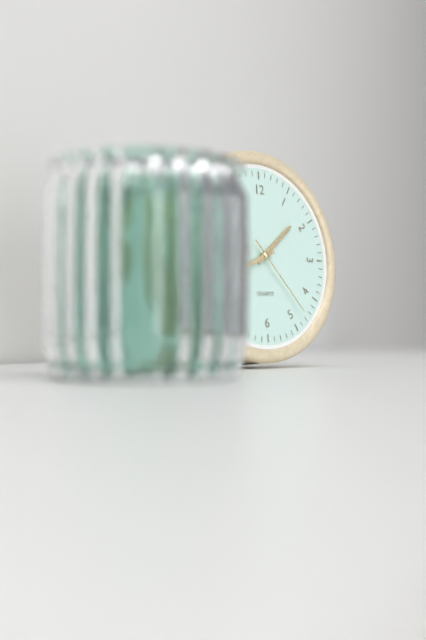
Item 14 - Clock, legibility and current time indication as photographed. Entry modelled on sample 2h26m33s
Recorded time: 1h41m23s
